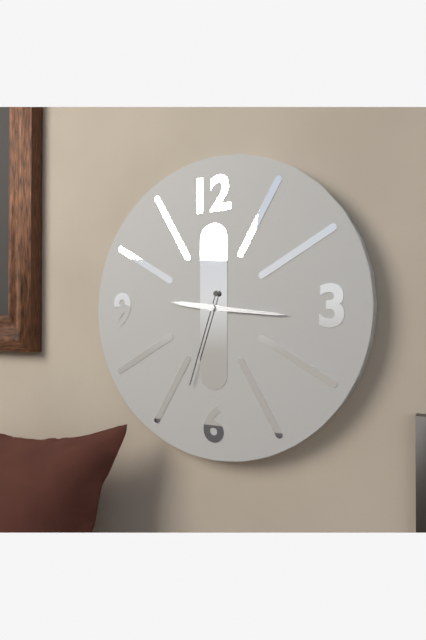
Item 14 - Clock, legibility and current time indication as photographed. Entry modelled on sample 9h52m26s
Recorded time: 9h16m33s
